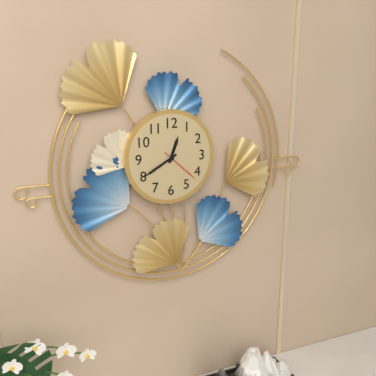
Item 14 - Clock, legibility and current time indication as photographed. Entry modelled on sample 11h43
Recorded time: 12h40
